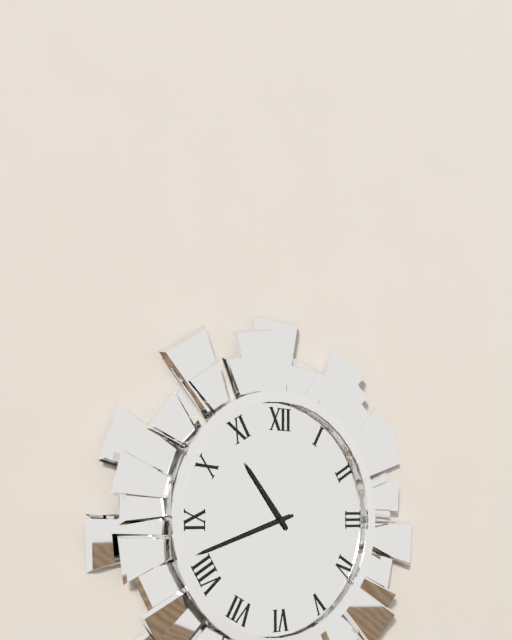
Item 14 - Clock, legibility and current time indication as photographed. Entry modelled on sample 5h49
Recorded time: 10h42
